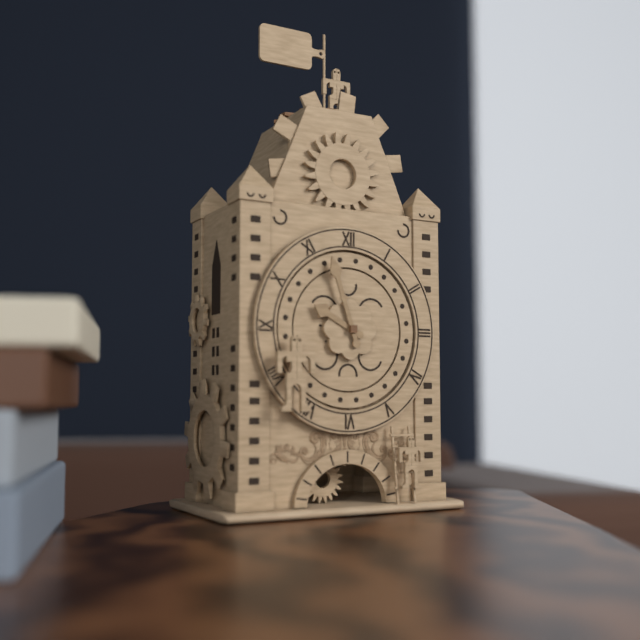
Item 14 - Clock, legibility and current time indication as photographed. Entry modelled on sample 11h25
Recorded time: 9h57
